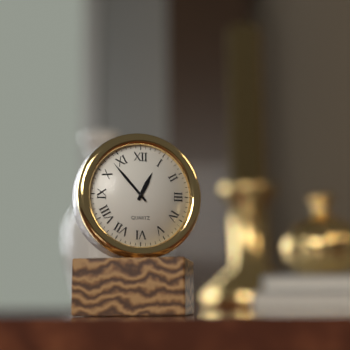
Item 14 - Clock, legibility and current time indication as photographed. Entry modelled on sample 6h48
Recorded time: 12h53
